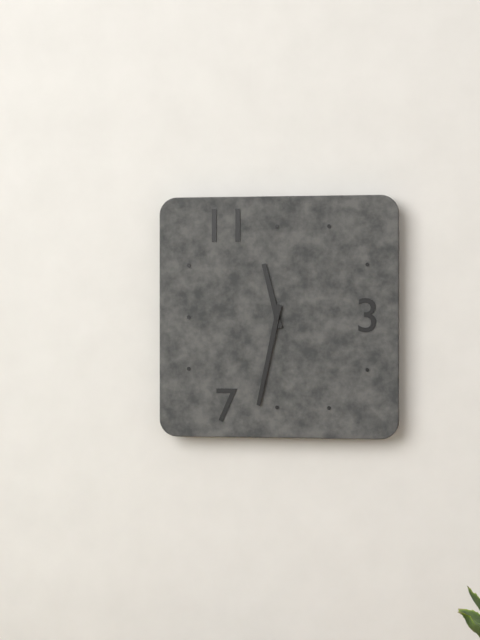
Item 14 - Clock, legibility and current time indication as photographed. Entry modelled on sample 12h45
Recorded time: 11h32
